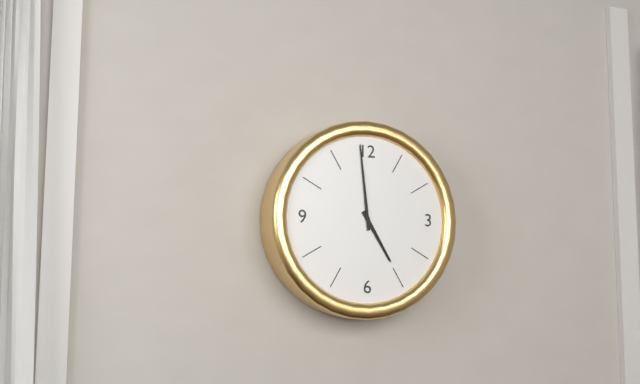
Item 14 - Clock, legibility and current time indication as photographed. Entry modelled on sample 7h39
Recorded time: 4h59
